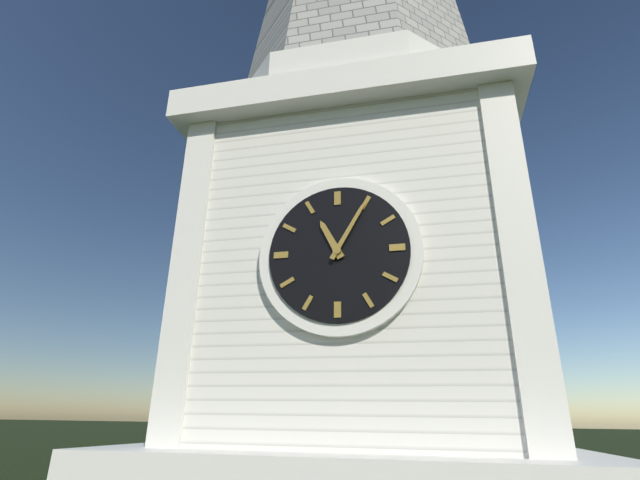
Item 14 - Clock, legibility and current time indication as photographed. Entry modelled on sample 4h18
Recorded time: 11h05
